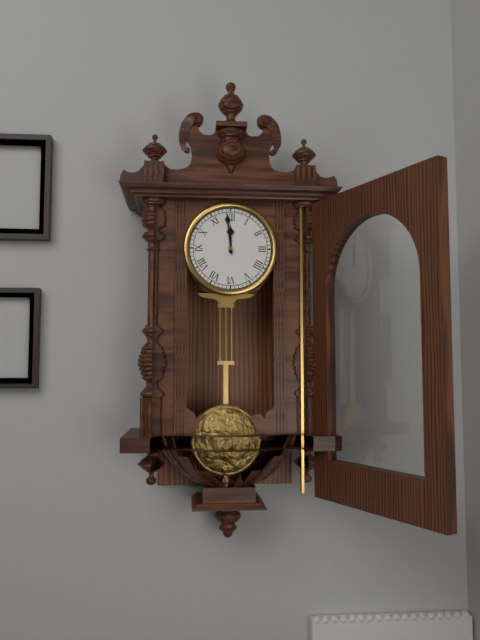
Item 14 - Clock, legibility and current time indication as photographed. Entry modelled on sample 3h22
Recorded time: 11h59
